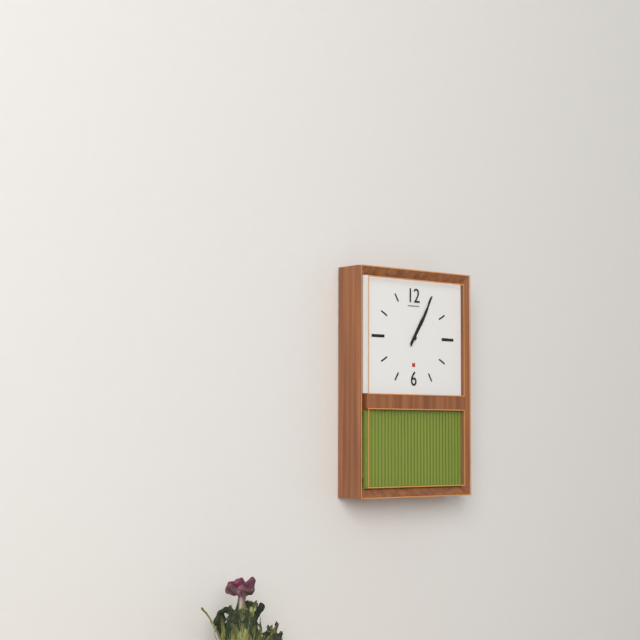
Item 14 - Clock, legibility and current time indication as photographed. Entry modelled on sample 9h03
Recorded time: 1h05
